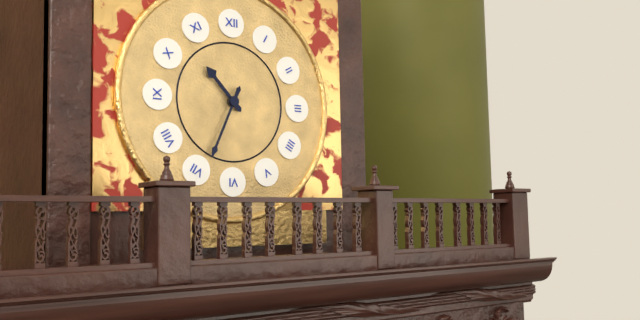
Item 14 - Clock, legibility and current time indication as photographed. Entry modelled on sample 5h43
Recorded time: 10h34
